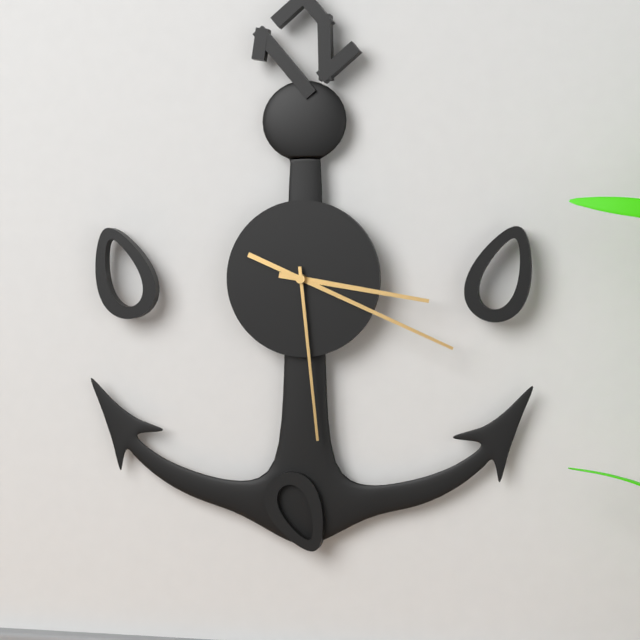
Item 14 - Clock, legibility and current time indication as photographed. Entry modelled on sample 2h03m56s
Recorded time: 3h19m29s
